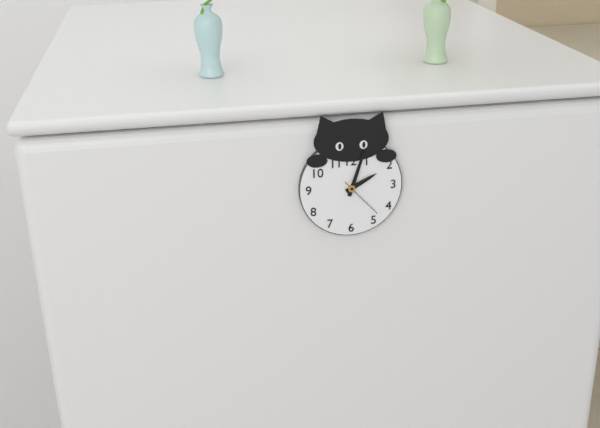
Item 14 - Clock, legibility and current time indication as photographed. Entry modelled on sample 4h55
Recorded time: 2h03
